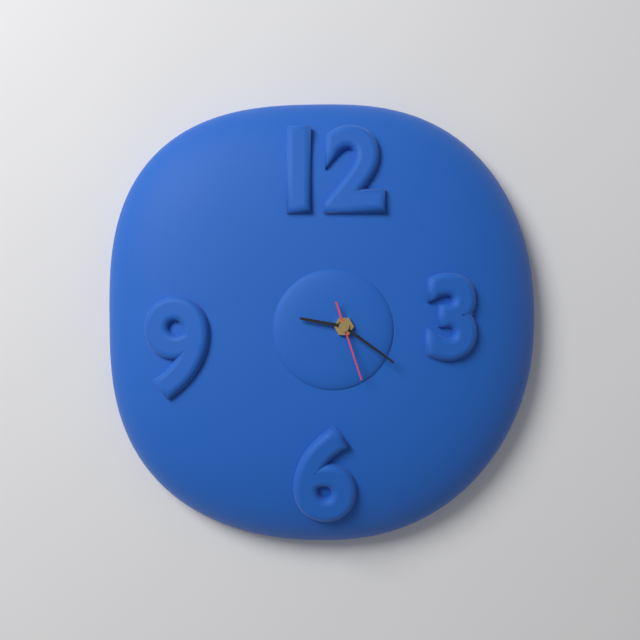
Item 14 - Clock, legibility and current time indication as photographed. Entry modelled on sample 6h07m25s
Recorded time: 9h21m27s
